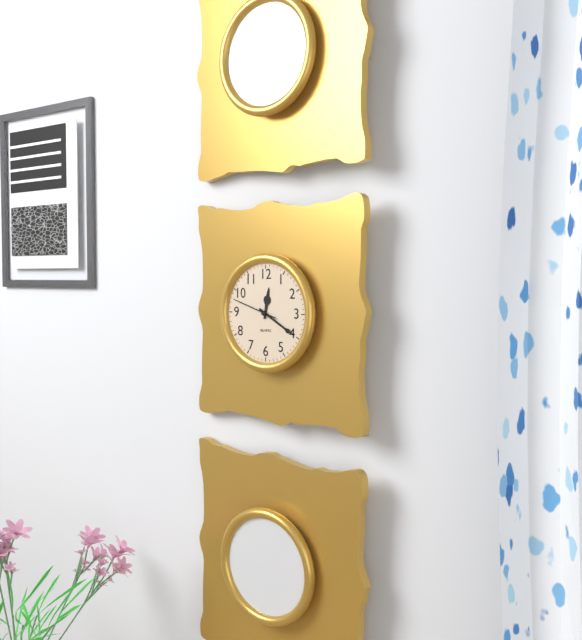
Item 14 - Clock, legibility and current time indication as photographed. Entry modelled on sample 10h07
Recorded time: 12h20
